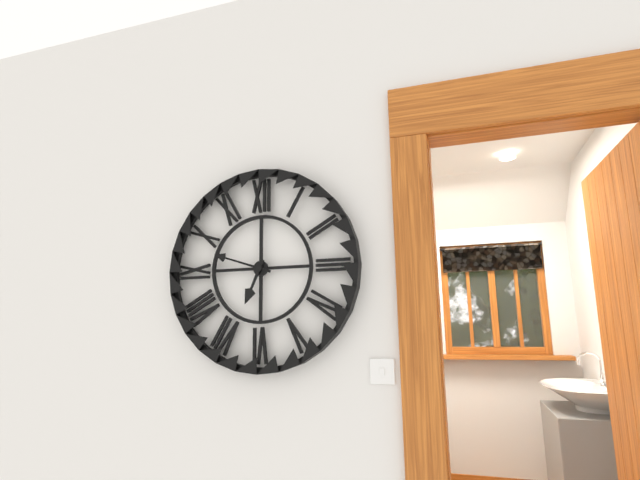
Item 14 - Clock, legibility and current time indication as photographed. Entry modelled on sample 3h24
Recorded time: 6h48
